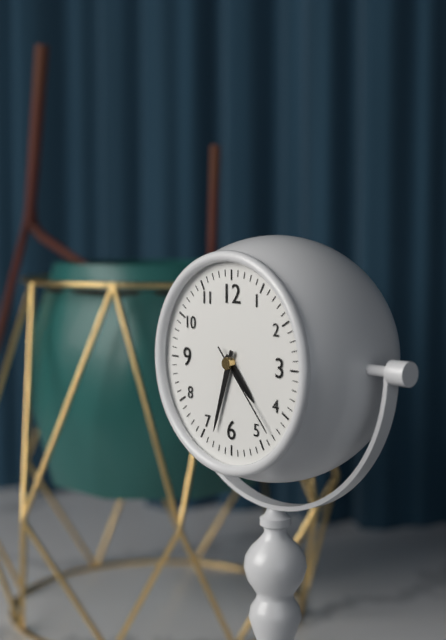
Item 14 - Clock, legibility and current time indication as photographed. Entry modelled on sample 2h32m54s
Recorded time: 4h33m23s
